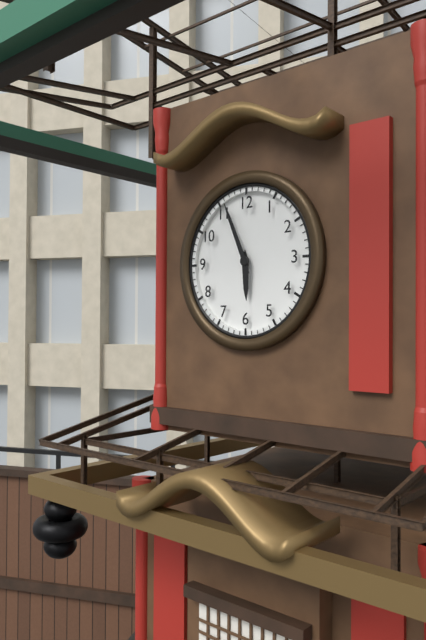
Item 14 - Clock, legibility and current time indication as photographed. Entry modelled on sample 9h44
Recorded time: 5h56
